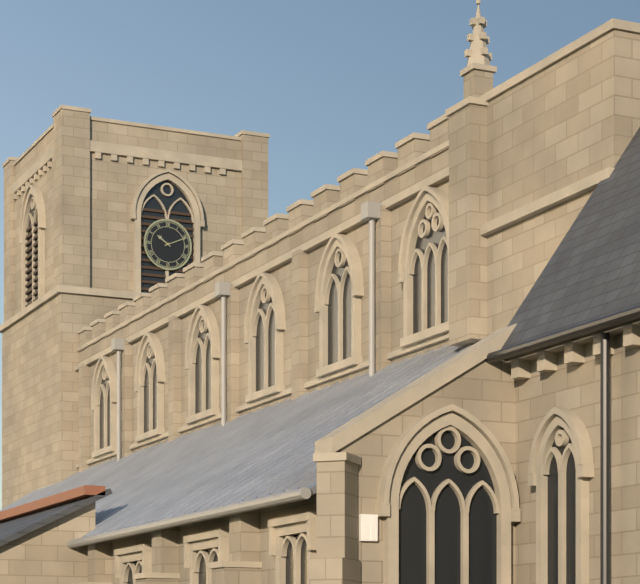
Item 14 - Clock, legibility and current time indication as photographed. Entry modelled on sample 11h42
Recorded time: 10h11
